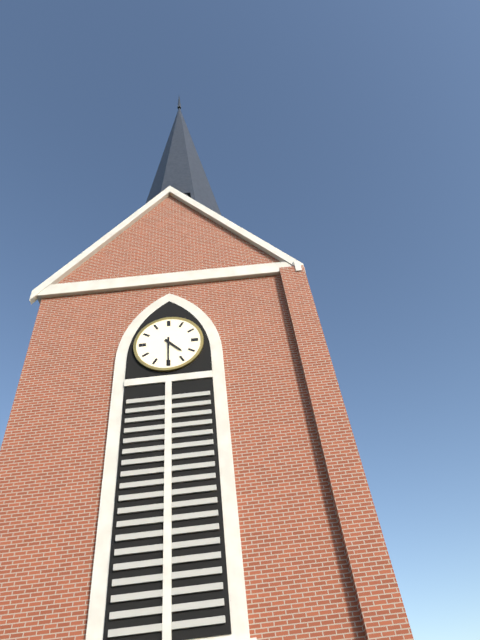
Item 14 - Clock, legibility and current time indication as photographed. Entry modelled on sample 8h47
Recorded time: 4h30
